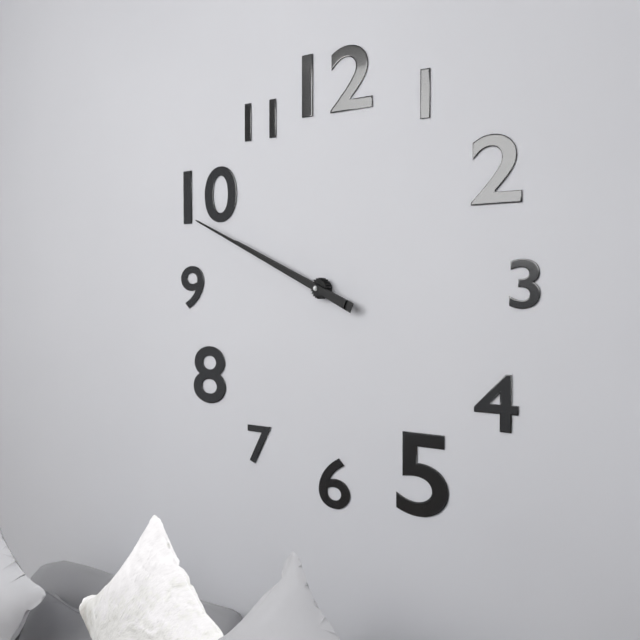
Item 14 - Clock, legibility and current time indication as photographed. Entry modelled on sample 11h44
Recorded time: 9h49
